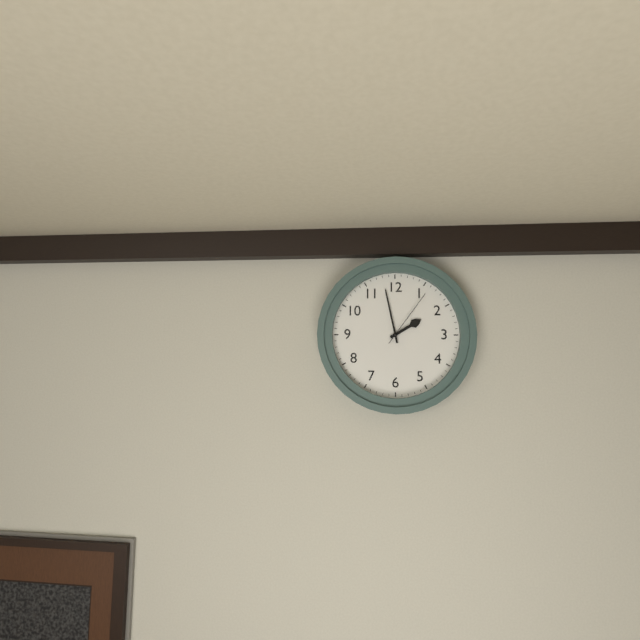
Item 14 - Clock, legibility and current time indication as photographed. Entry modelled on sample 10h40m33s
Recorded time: 1h58m06s
